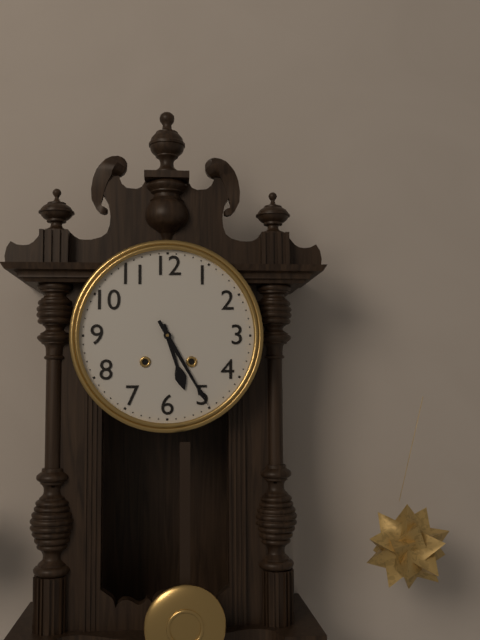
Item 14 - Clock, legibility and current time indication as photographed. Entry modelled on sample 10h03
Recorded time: 5h25
